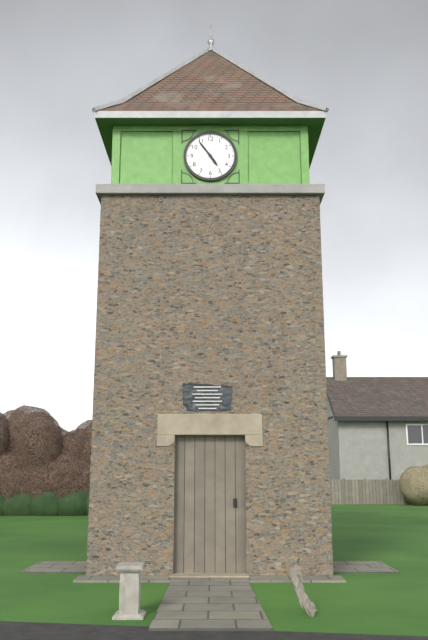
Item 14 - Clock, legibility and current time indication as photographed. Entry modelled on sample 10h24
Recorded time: 4h54
